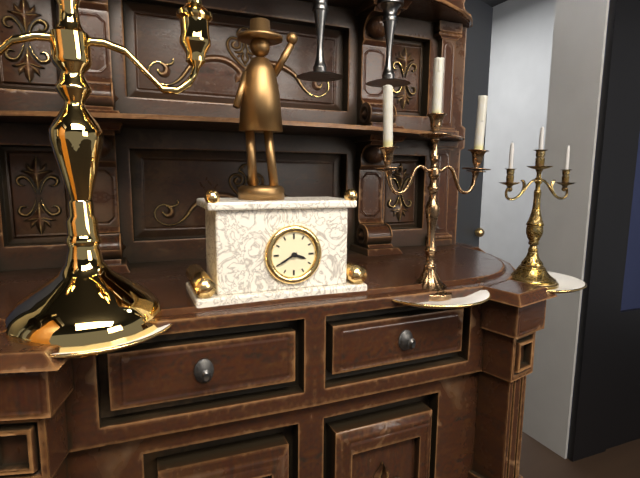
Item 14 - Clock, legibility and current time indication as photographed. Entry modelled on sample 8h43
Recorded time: 3h40
